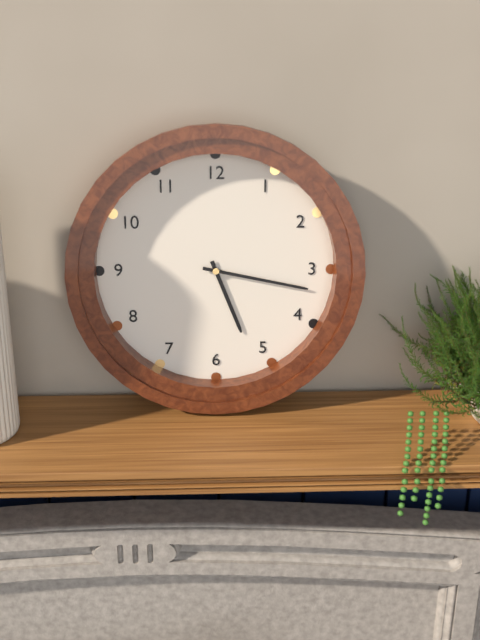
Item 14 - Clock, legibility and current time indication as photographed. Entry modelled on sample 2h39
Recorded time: 5h17
